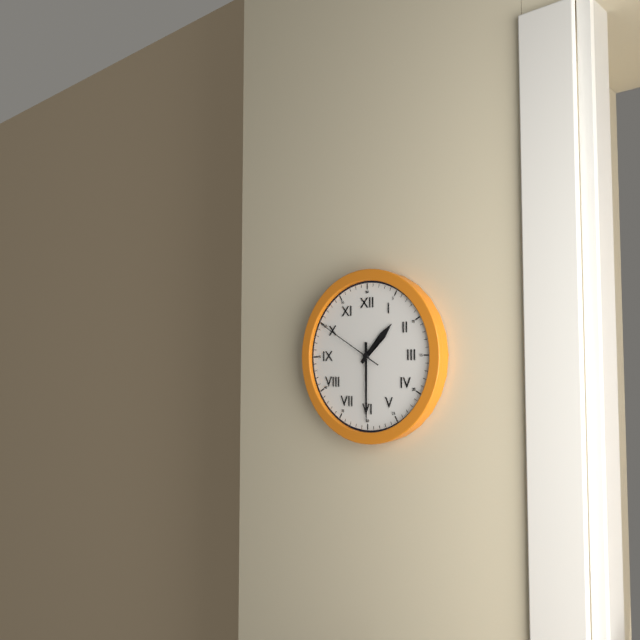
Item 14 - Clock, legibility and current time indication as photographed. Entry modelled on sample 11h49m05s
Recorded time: 1h30m50s
